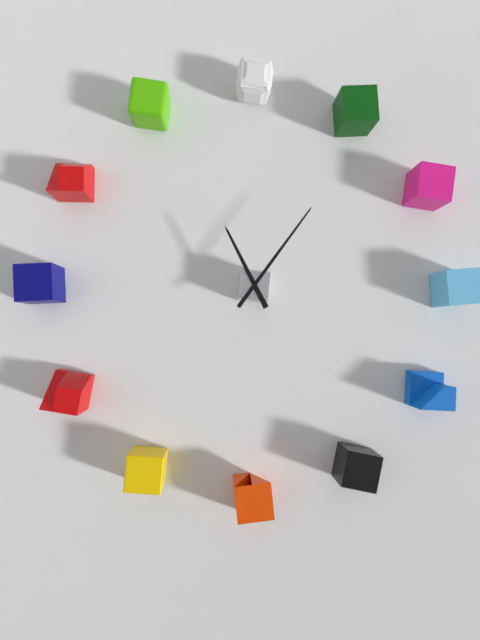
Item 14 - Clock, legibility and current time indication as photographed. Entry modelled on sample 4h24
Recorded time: 11h06
